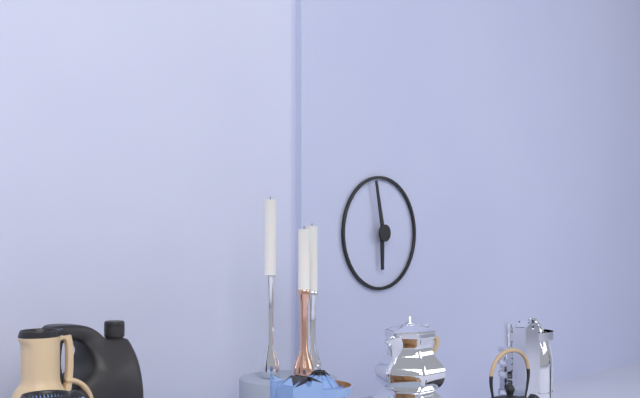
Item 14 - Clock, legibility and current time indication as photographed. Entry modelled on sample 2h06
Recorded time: 5h58
